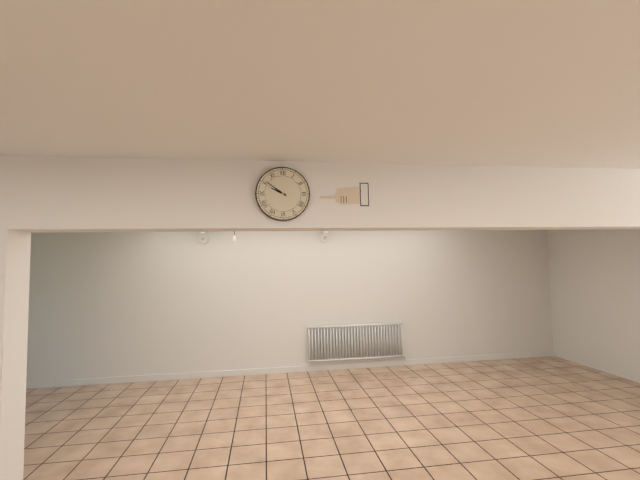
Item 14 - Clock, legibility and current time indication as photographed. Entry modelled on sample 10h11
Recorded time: 9h51
